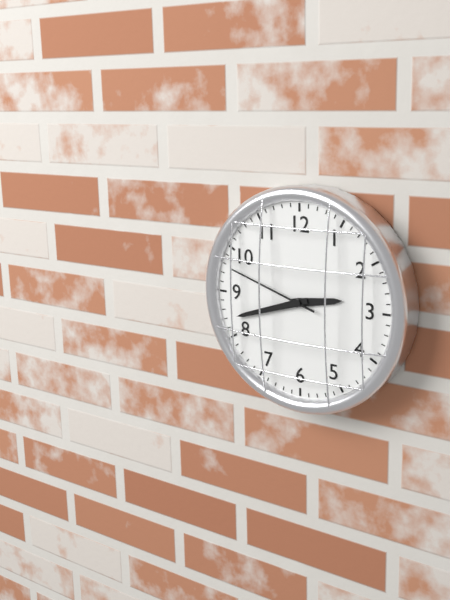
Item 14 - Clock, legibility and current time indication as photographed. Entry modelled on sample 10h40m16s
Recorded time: 2h42m48s
